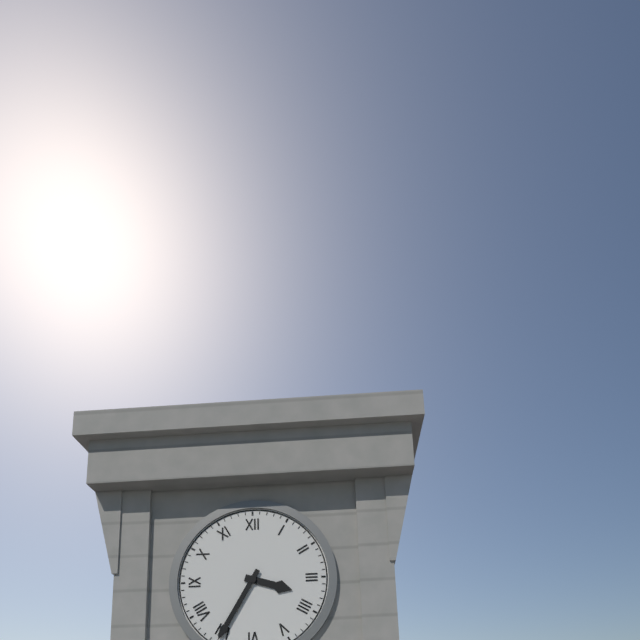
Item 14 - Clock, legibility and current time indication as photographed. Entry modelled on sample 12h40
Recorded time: 3h35
